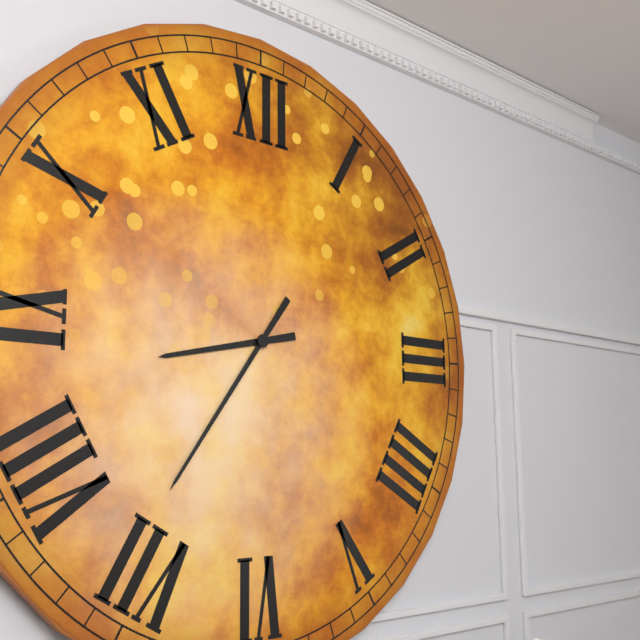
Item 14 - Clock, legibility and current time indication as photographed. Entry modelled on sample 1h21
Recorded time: 8h36
